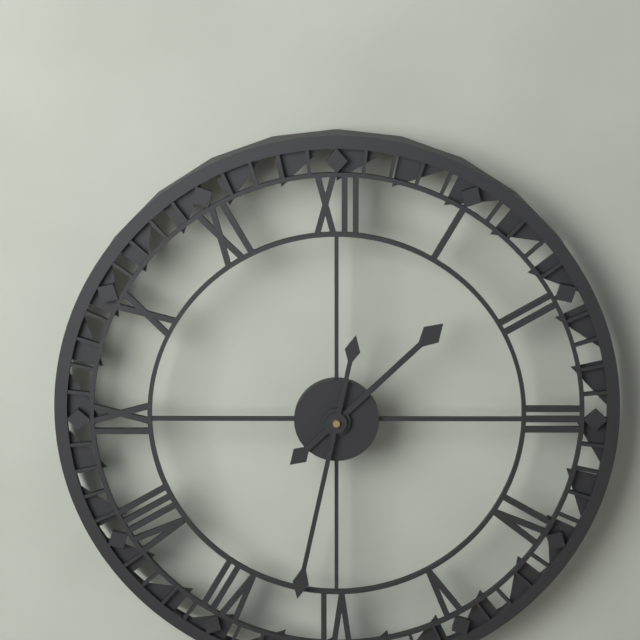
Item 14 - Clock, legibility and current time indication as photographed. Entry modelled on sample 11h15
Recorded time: 1h32
